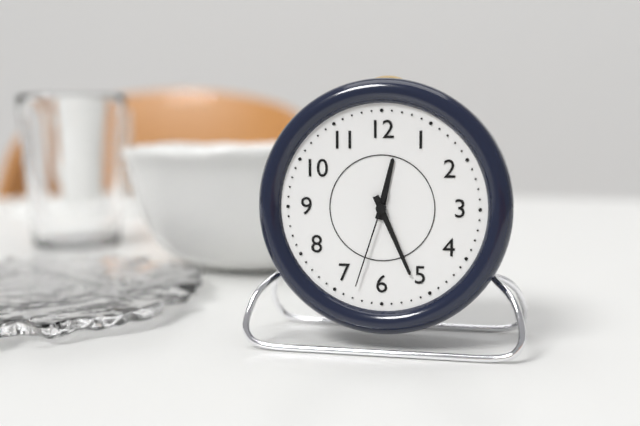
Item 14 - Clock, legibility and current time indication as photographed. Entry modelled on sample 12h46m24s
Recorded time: 12h26m33s
